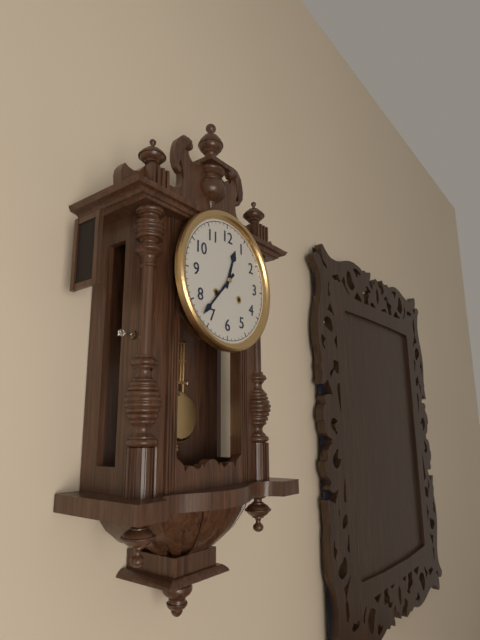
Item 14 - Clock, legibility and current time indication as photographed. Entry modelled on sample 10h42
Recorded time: 12h37
